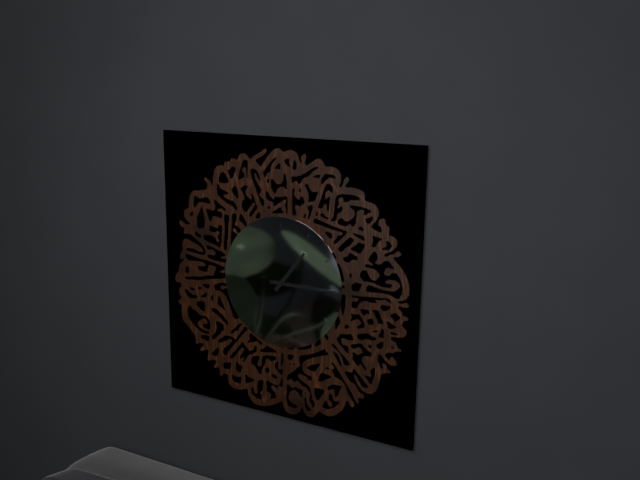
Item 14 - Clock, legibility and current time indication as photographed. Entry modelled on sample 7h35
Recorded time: 1h15
